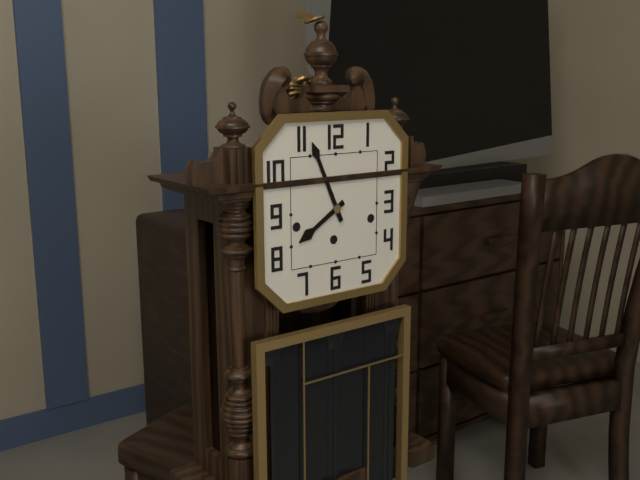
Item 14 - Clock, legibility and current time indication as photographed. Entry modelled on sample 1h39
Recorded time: 7h56
